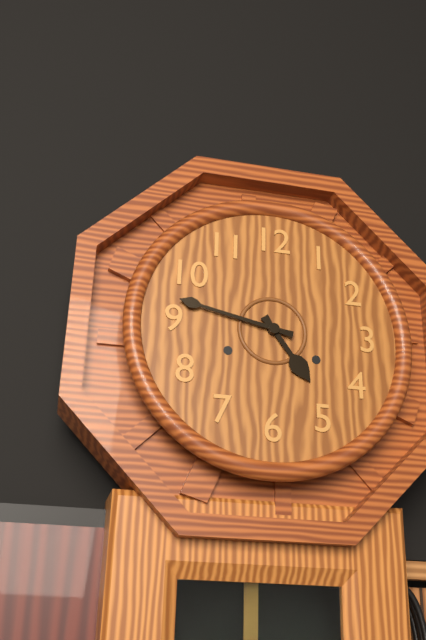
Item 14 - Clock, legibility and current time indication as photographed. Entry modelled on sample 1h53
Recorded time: 4h47
